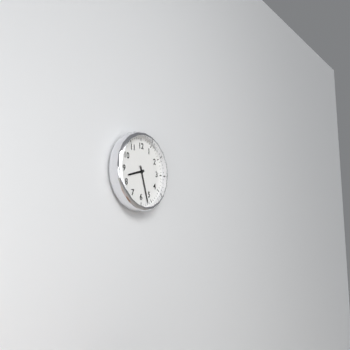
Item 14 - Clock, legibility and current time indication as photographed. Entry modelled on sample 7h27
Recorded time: 8h27
